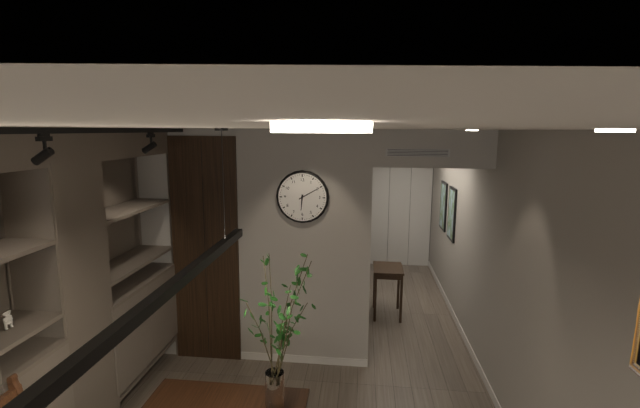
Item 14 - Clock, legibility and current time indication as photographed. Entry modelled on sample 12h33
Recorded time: 6h10
